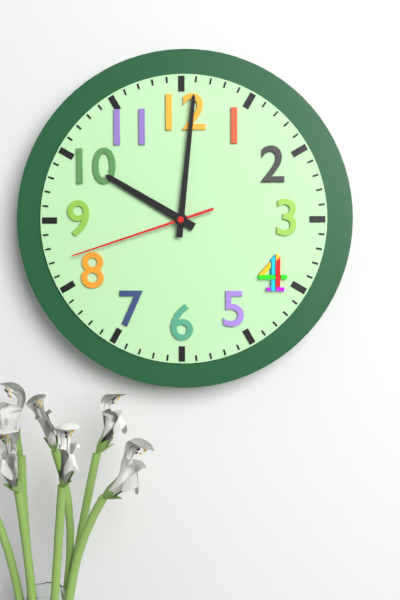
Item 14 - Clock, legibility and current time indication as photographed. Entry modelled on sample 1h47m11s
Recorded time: 10h01m42s
